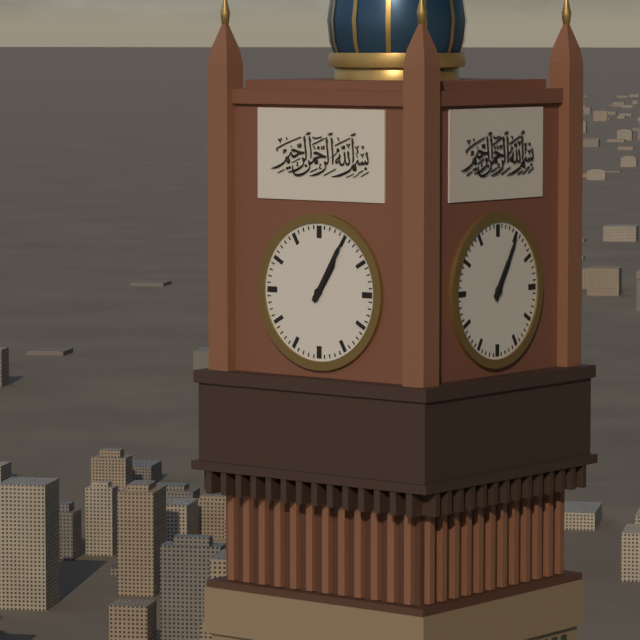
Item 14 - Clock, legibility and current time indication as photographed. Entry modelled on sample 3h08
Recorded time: 1h05
